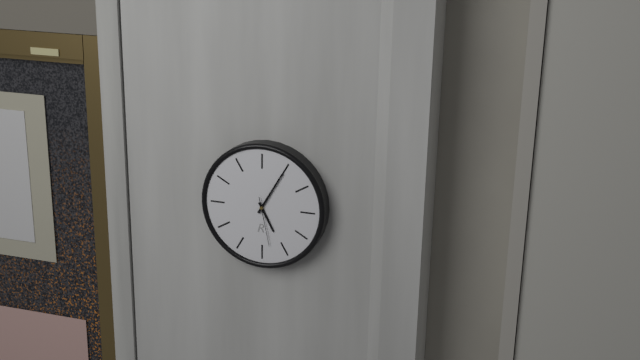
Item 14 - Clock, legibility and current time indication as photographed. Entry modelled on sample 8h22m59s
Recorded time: 5h05m28s
